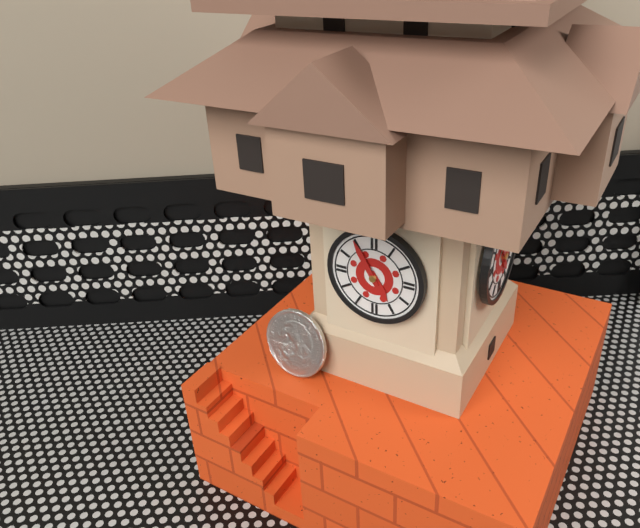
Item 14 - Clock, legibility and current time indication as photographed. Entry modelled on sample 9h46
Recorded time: 4h55
